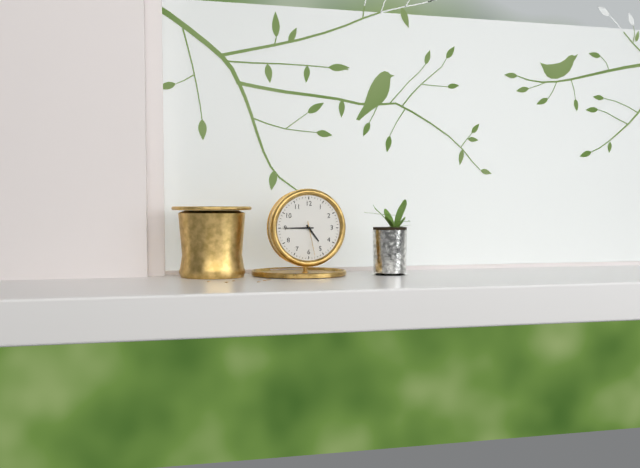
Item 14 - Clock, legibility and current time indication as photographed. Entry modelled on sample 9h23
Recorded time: 4h45
